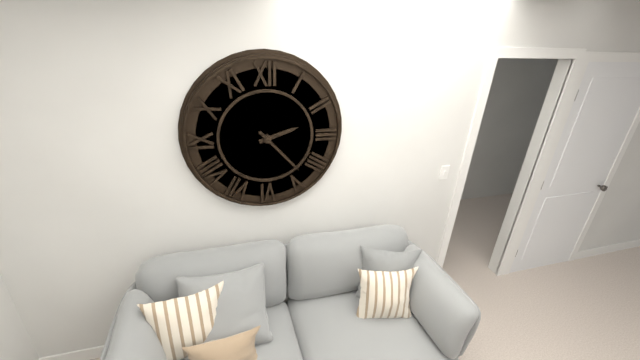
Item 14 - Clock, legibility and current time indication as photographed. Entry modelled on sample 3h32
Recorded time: 2h23
